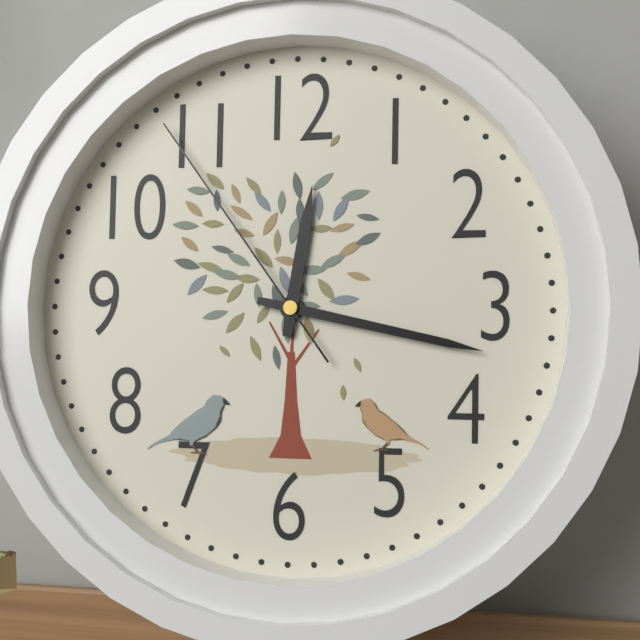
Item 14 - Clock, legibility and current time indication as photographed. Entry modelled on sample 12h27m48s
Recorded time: 12h17m54s
